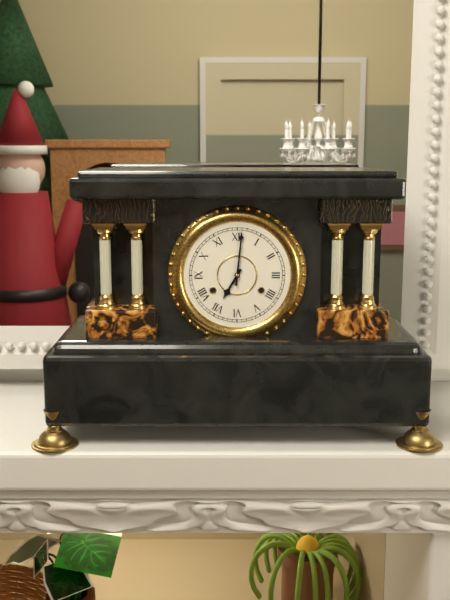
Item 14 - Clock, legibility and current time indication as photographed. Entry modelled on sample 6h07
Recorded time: 7h01
